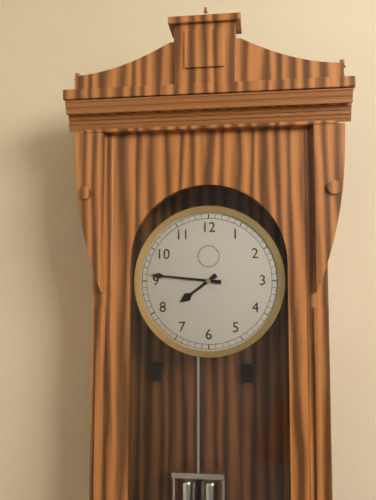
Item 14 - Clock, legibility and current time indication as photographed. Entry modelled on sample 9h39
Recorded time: 7h46
